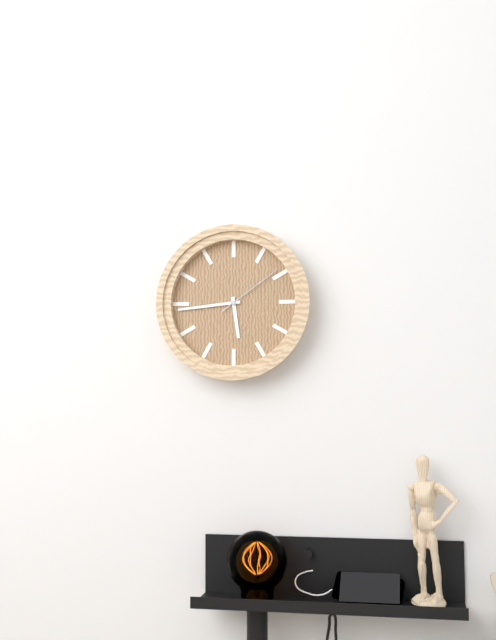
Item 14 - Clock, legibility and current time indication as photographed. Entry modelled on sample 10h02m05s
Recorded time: 5h44m09s
